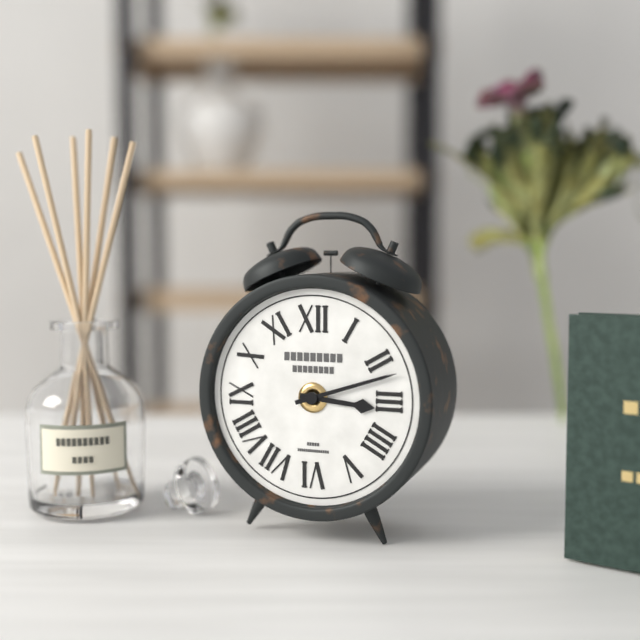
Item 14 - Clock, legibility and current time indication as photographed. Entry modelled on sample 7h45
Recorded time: 3h12
